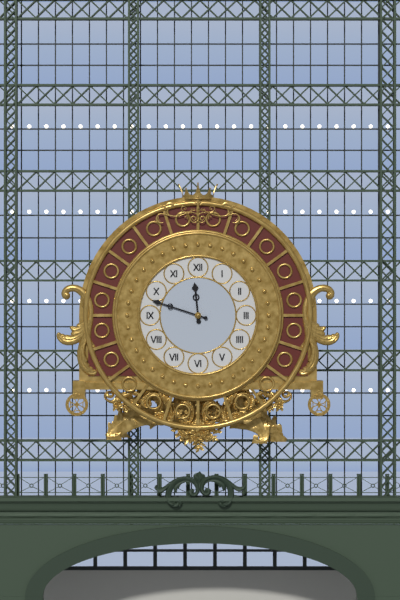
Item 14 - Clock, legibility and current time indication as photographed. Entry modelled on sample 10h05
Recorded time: 11h48
